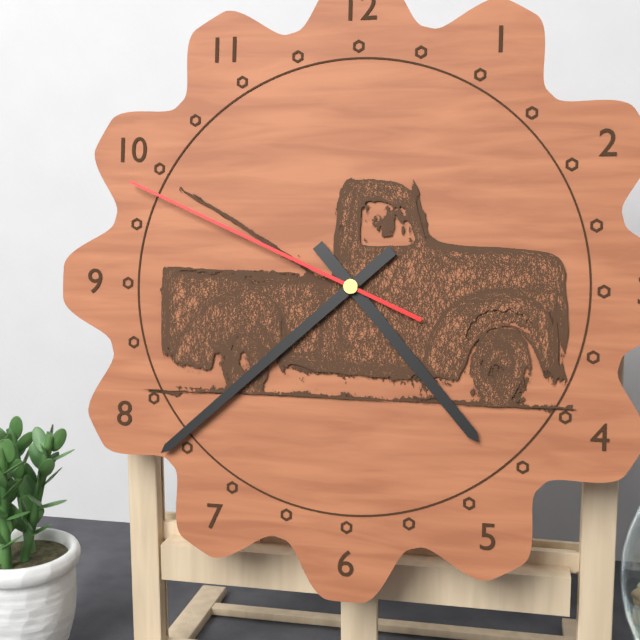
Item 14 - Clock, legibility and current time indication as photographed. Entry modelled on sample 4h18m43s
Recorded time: 4h38m49s
